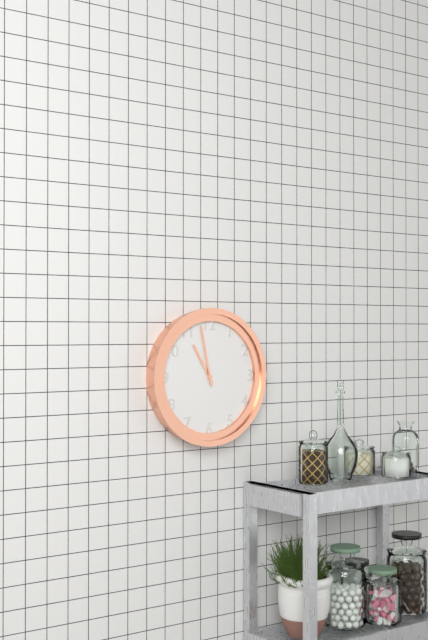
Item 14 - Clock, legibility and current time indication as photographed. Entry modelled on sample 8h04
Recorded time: 10h58
